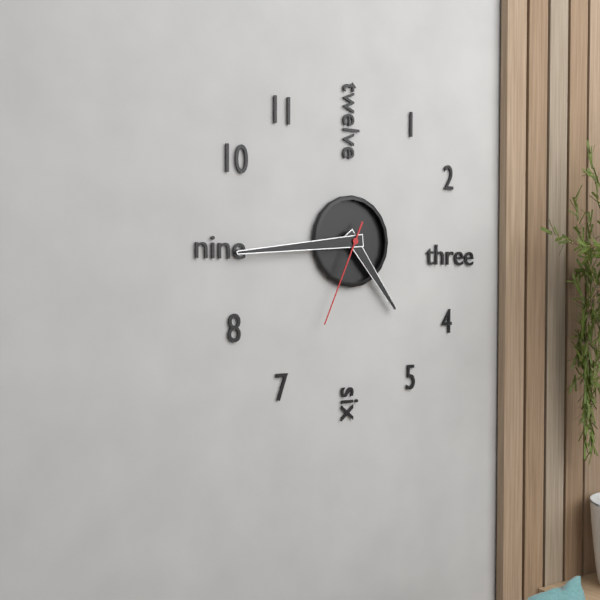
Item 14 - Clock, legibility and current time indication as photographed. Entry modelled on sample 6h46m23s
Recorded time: 4h44m34s
